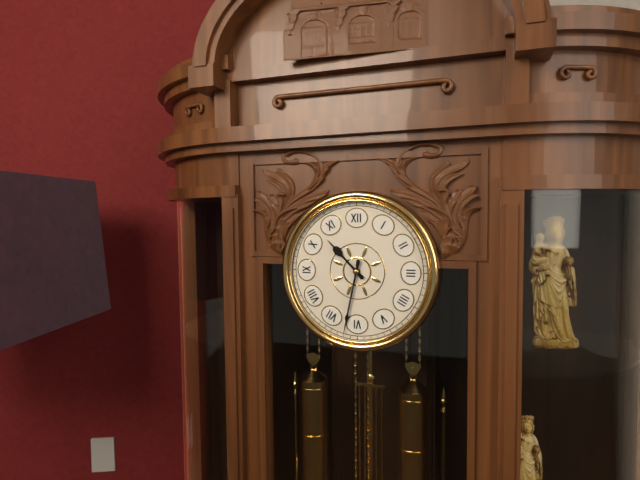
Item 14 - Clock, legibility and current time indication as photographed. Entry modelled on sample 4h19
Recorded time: 10h32
